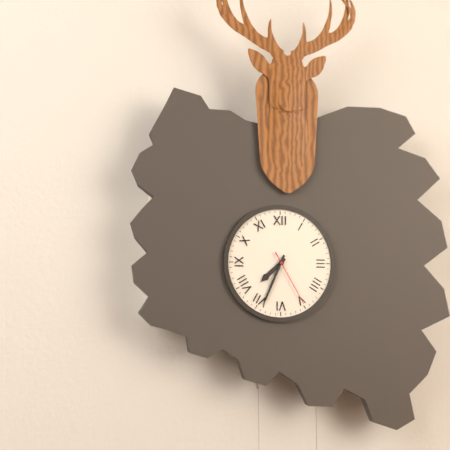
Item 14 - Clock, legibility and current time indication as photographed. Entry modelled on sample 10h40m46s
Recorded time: 7h34m25s
